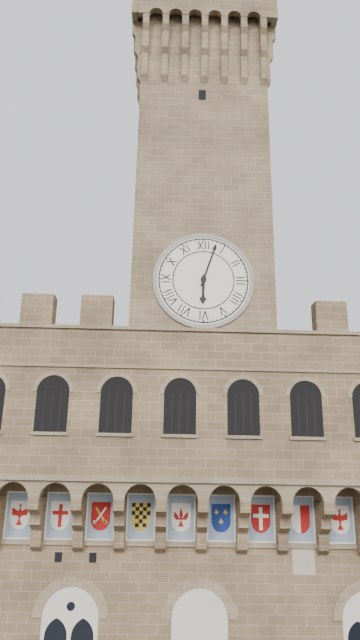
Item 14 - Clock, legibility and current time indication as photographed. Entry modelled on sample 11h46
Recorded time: 6h03
